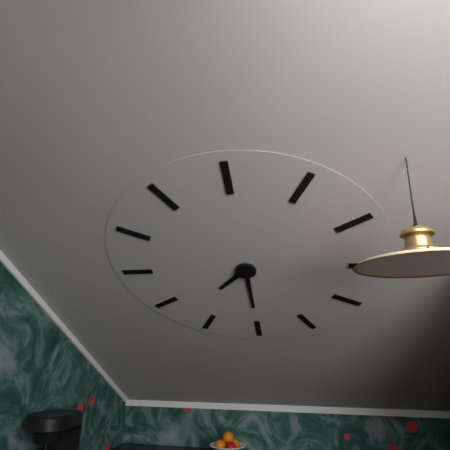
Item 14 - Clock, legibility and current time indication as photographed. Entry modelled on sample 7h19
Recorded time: 7h30
